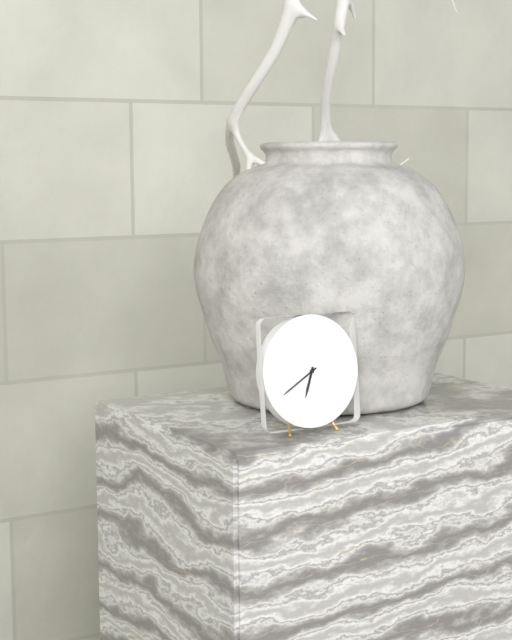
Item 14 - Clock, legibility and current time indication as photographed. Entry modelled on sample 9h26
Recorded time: 6h40
